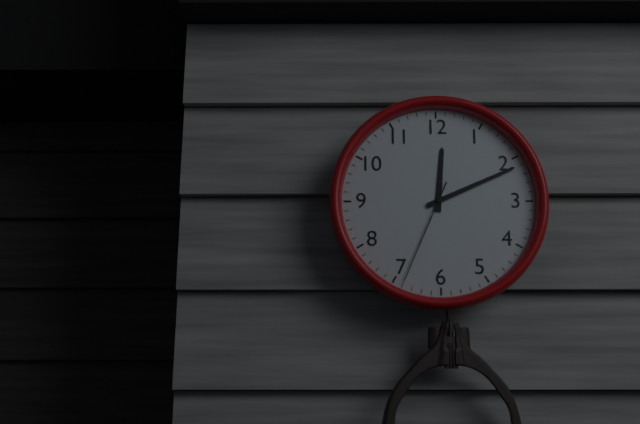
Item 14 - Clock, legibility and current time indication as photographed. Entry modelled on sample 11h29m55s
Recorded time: 12h11m34s
